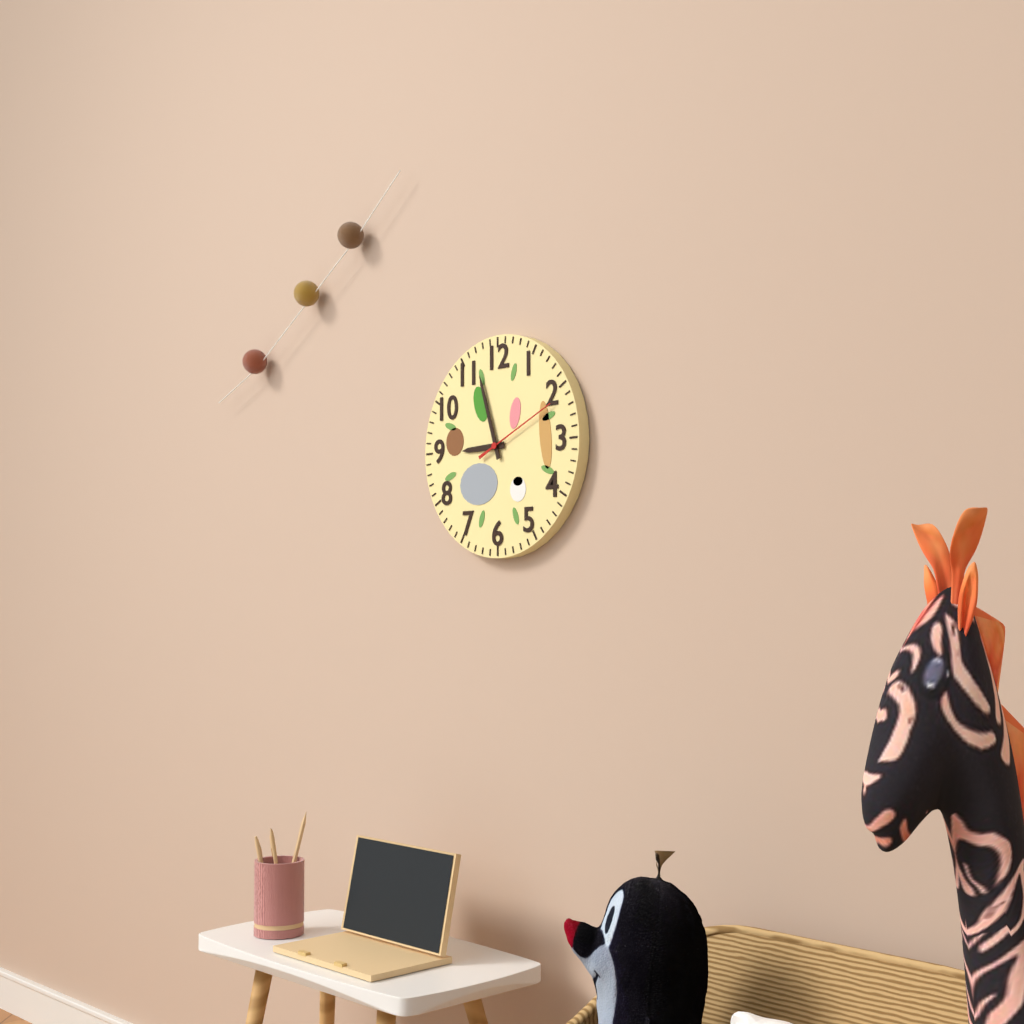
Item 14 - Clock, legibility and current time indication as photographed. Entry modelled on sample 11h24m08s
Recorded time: 8h57m11s
